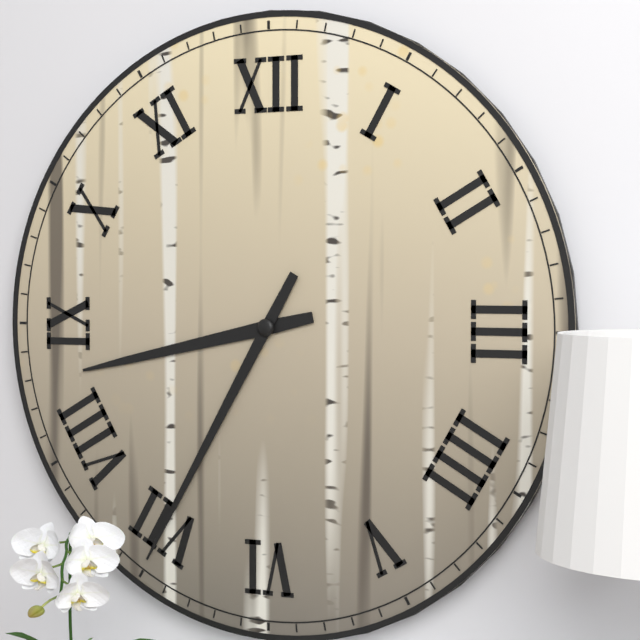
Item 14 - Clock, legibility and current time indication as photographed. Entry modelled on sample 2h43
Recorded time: 8h35
